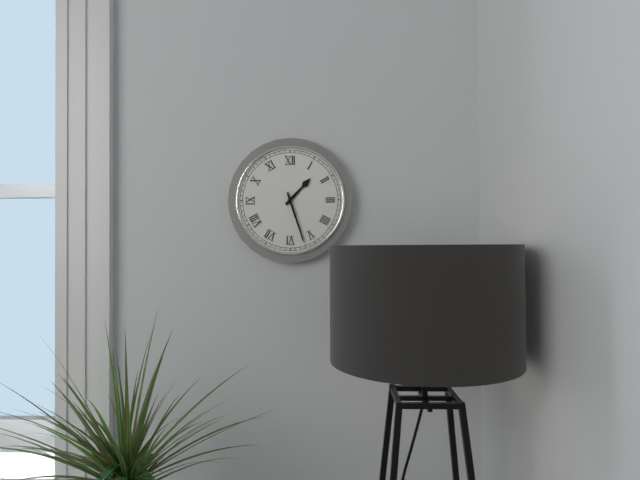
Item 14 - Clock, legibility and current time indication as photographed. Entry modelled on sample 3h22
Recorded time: 1h27
